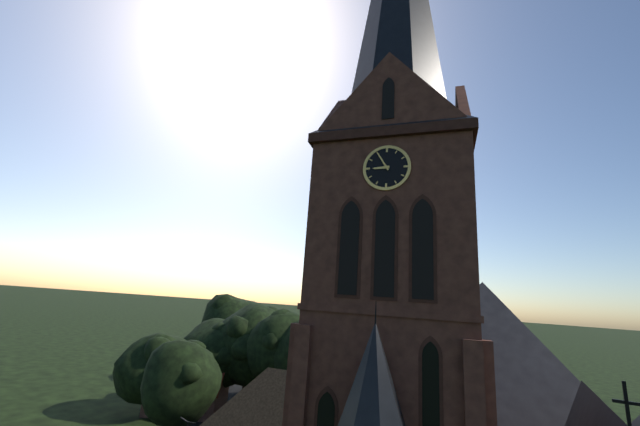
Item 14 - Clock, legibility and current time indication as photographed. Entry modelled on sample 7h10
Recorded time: 8h55
